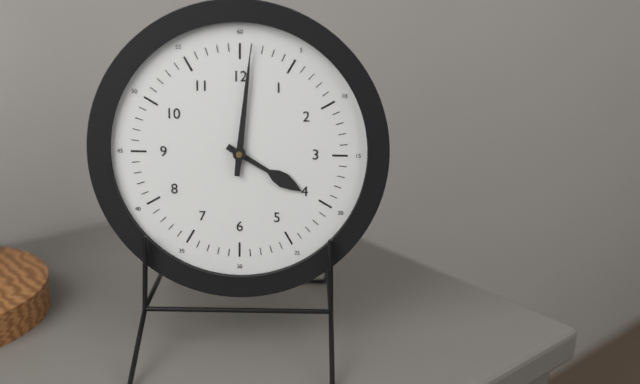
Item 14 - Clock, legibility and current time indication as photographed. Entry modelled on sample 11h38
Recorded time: 4h01
